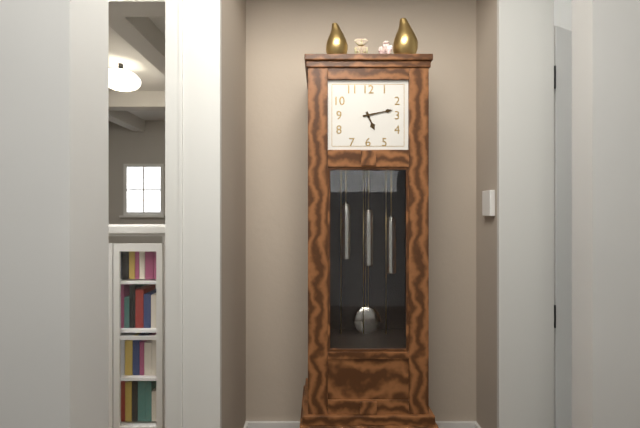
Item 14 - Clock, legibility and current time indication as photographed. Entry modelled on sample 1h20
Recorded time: 5h13
